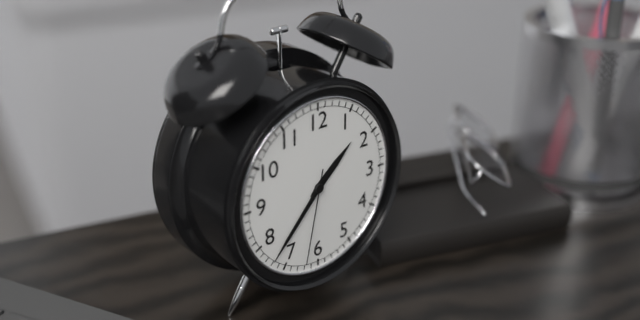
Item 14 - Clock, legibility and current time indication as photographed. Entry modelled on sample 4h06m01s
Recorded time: 1h37m32s
